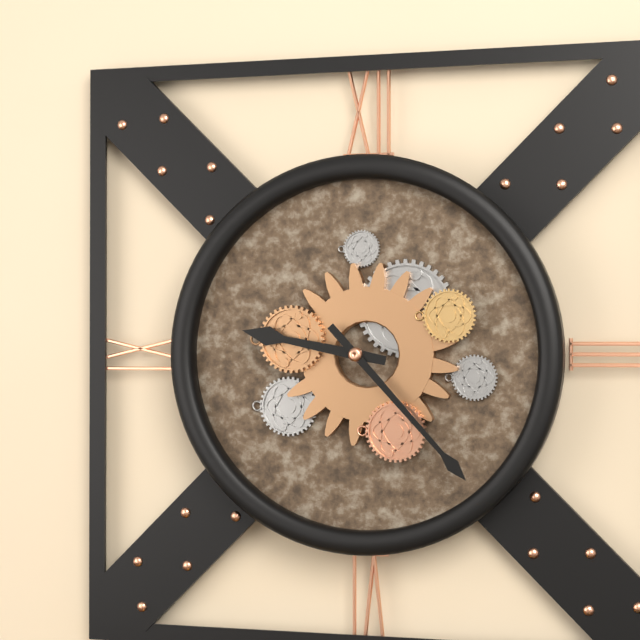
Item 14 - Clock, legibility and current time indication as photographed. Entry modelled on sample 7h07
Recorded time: 9h23
